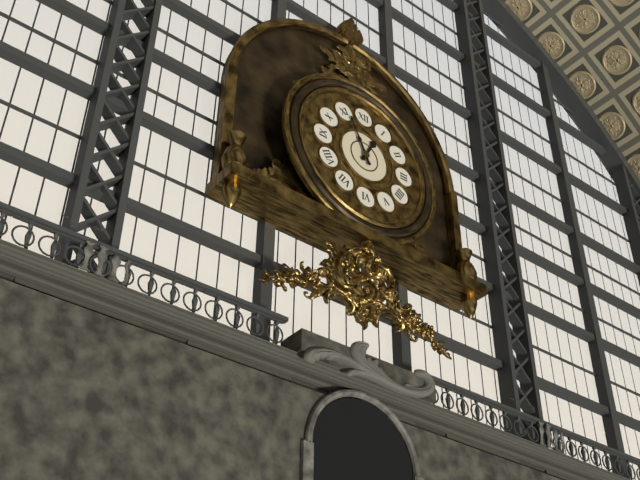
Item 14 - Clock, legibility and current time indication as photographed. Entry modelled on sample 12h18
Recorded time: 12h56
